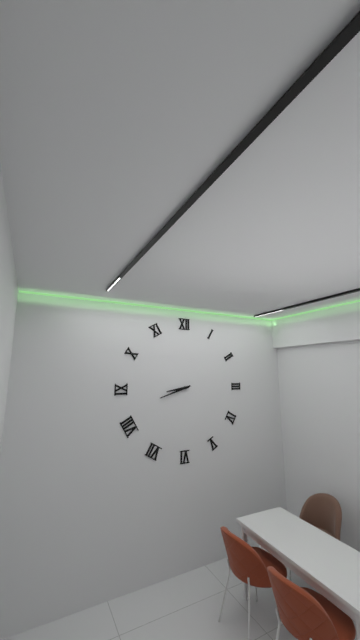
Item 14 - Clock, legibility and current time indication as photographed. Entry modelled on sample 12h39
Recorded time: 8h42
